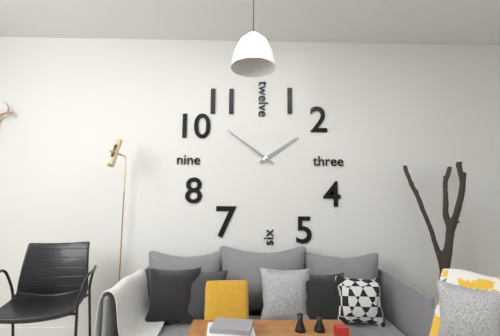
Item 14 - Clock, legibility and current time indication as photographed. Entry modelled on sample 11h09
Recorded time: 1h51
